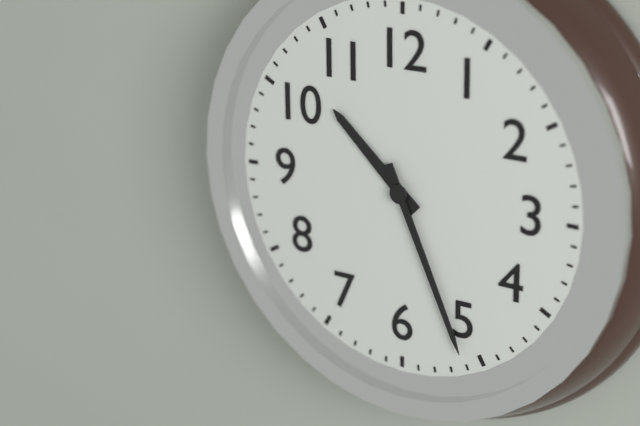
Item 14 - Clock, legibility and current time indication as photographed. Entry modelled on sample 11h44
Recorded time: 10h26
